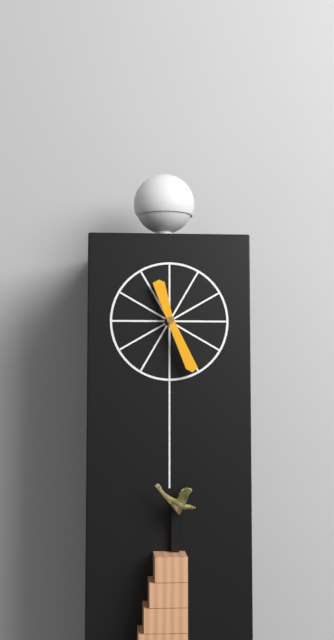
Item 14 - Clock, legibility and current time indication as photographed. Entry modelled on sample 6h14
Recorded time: 11h26
